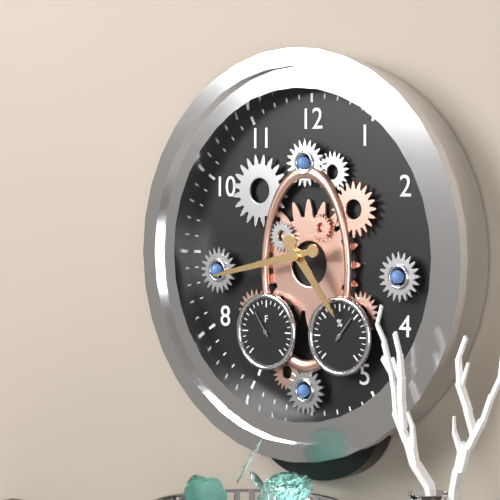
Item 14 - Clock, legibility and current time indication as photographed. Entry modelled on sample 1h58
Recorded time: 4h43
